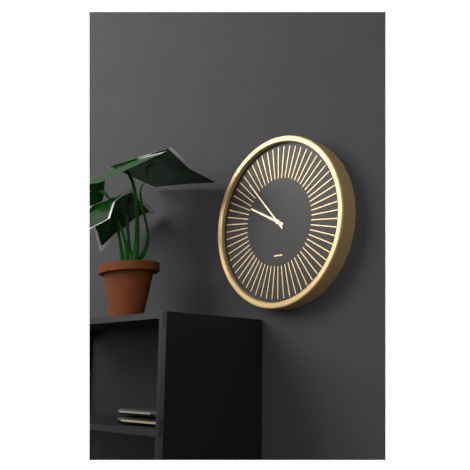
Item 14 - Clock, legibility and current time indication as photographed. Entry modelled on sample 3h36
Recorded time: 9h53
